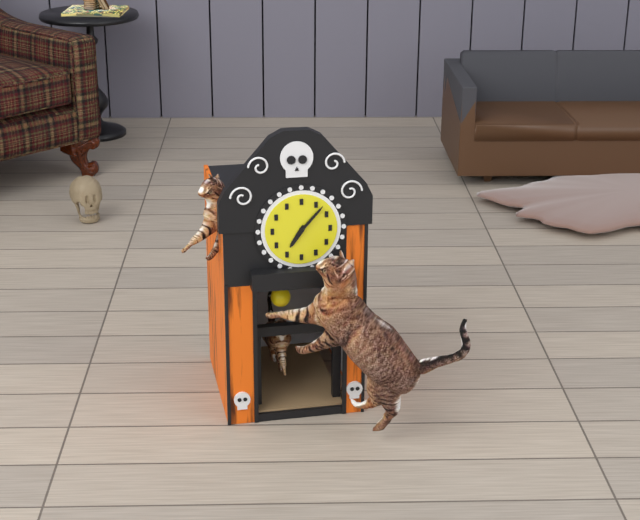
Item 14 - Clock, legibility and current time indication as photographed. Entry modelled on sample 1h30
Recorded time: 7h07
